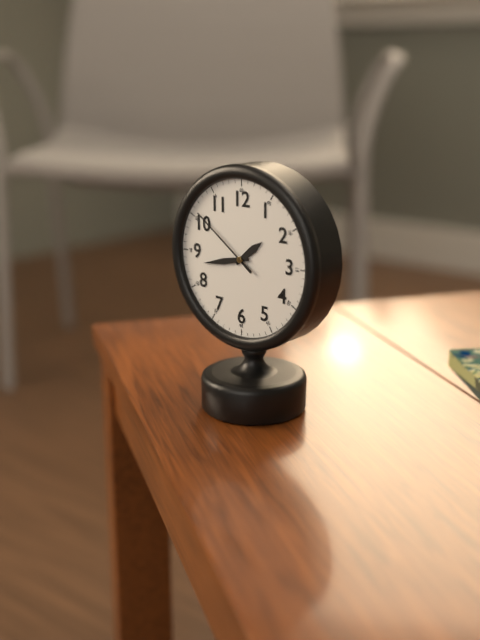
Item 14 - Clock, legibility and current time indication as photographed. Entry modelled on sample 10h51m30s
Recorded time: 1h43m51s
